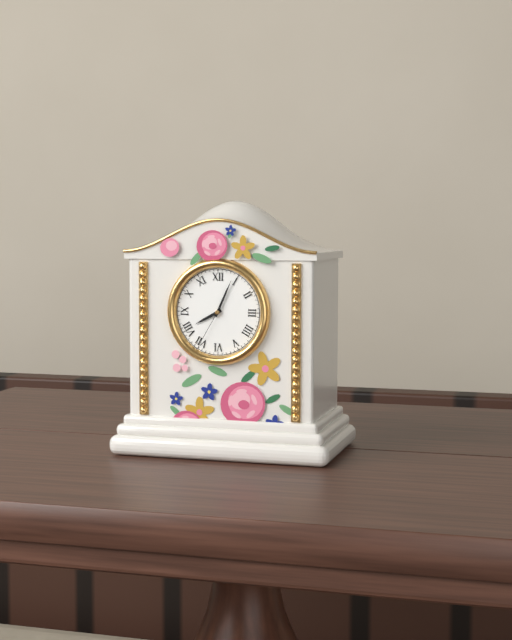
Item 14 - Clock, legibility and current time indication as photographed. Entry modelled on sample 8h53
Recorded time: 8h04
